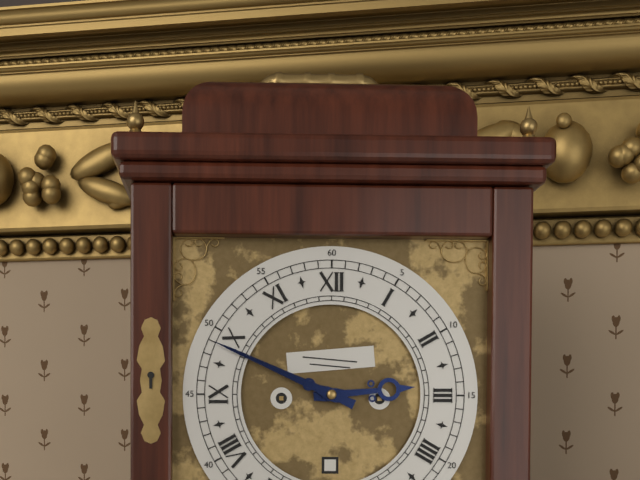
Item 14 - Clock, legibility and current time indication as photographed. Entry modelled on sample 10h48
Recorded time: 2h49
